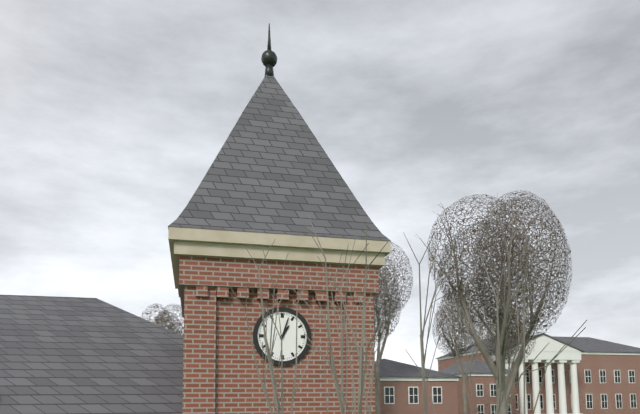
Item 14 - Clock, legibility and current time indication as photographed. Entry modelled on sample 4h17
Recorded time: 1h03
